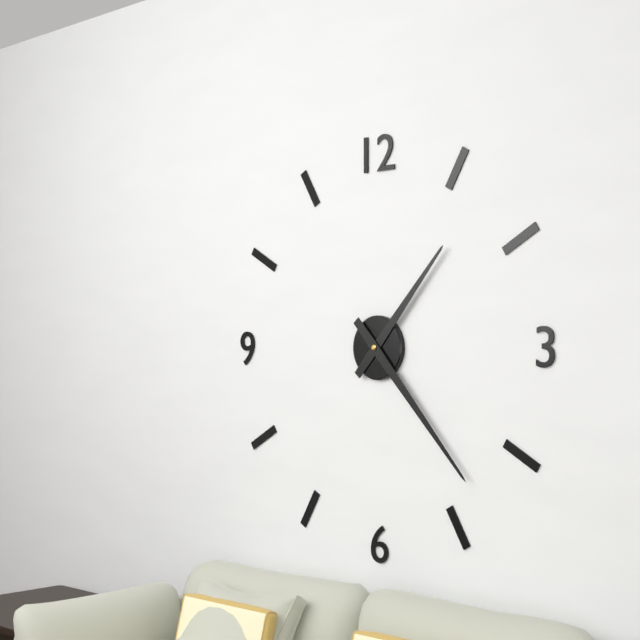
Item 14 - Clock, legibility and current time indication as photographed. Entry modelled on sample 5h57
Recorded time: 1h23
